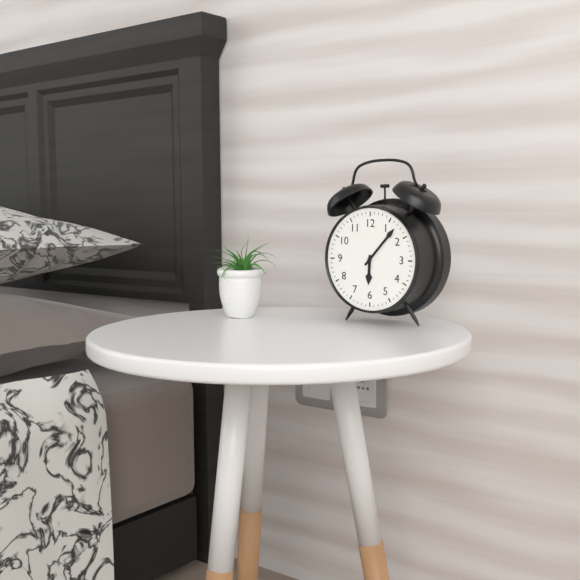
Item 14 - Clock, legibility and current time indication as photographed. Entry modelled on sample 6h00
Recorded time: 6h07
